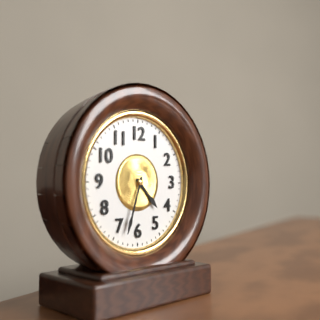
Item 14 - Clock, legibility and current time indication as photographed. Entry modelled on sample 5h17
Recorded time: 4h33
